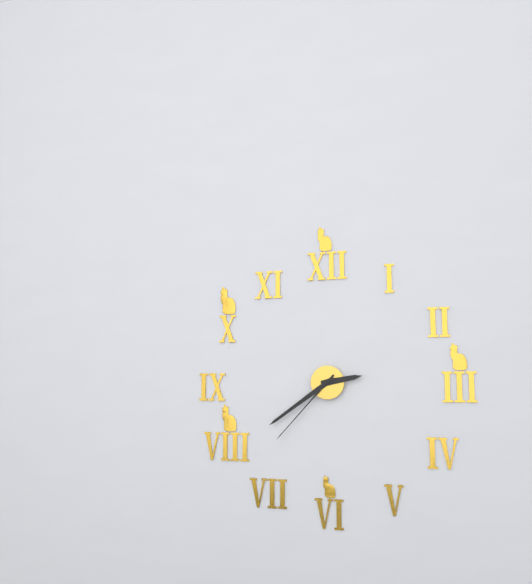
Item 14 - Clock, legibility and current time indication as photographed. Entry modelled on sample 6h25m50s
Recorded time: 2h39m37s
